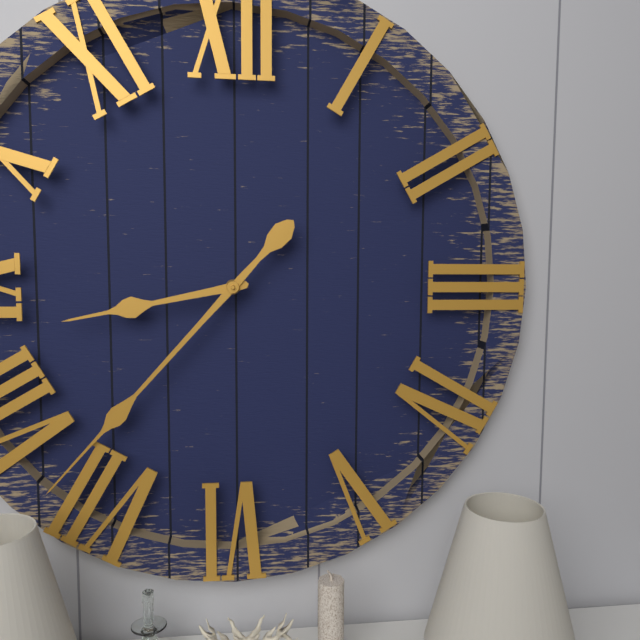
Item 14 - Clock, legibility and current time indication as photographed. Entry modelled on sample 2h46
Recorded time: 8h37
